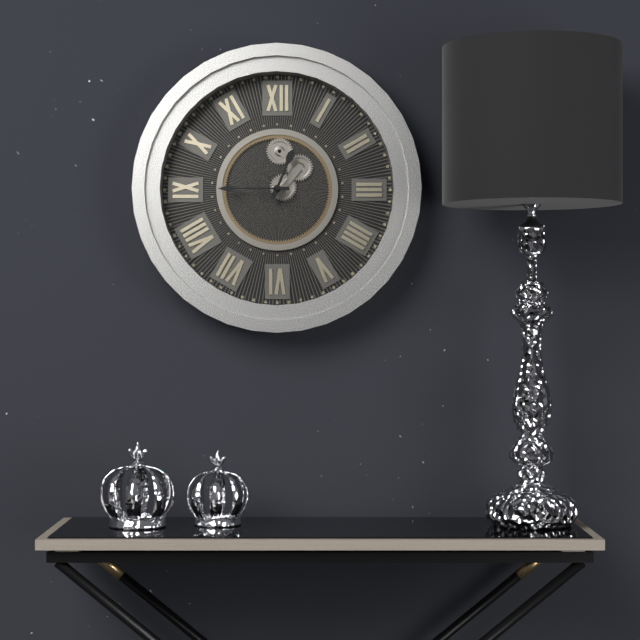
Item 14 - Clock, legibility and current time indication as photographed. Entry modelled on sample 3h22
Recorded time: 12h45
